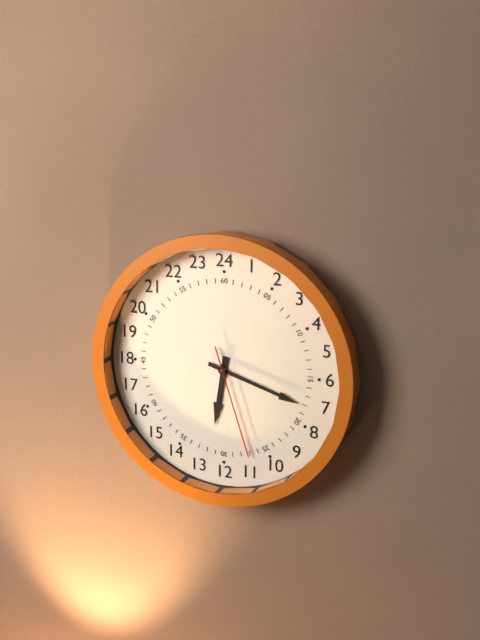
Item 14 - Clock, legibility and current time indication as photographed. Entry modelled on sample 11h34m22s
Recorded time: 6h18m27s
